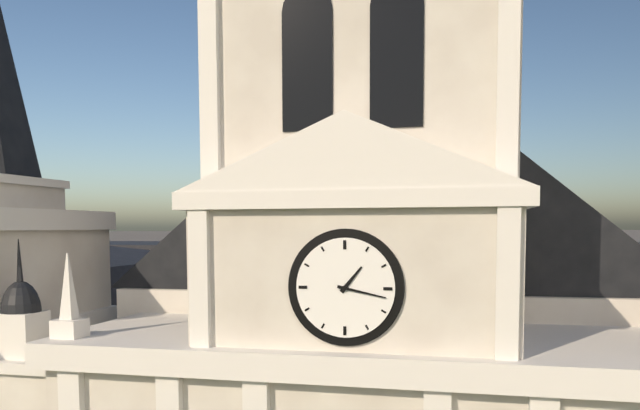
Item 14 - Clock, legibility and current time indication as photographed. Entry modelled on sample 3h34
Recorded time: 1h17
